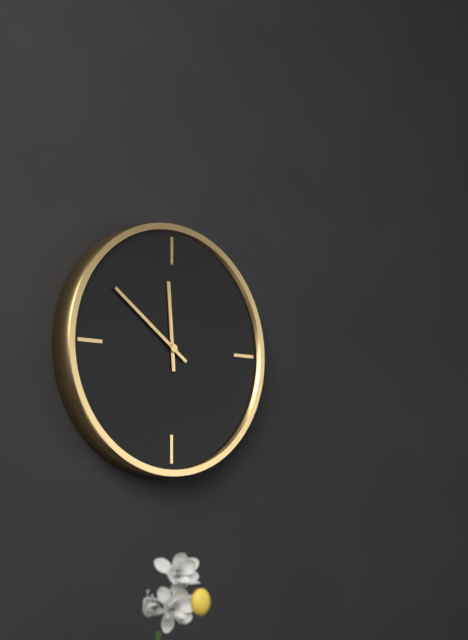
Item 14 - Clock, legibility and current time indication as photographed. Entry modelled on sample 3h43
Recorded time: 11h51
